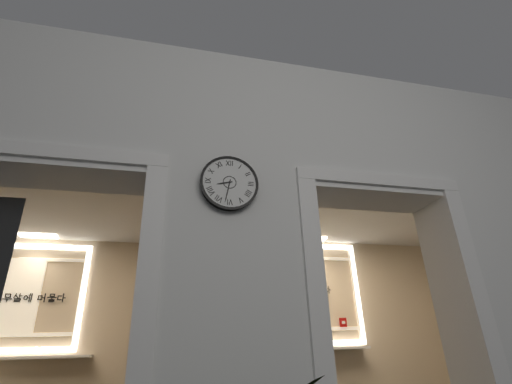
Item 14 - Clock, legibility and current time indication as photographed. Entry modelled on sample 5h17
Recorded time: 8h32
